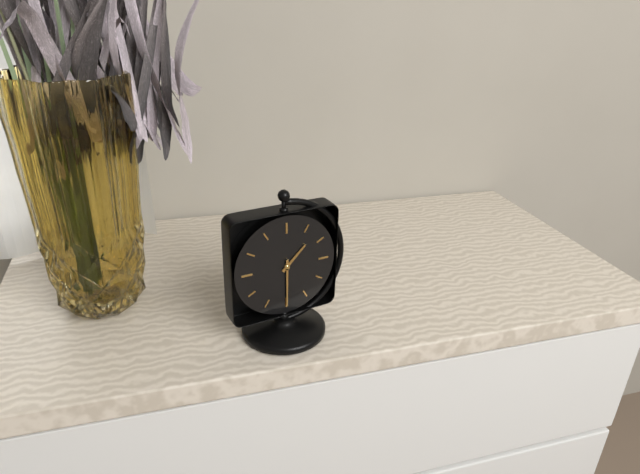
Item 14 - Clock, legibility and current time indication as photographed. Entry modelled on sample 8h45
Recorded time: 1h30
